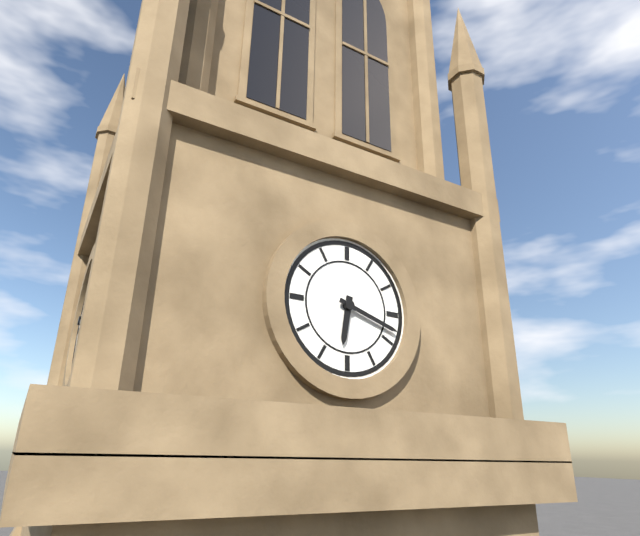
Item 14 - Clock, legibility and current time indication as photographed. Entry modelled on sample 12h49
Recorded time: 6h18
